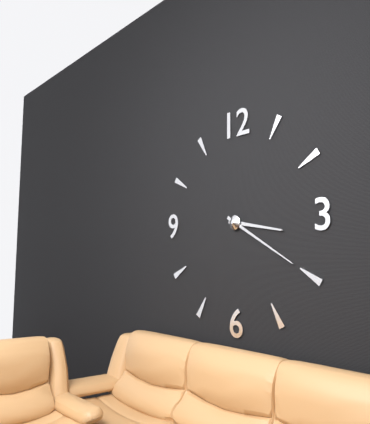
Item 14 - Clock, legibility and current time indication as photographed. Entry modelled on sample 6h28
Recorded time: 3h20
